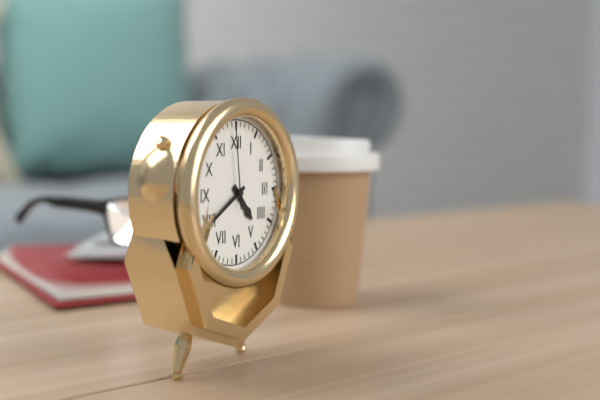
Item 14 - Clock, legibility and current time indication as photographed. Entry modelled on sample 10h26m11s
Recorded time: 4h40m59s
